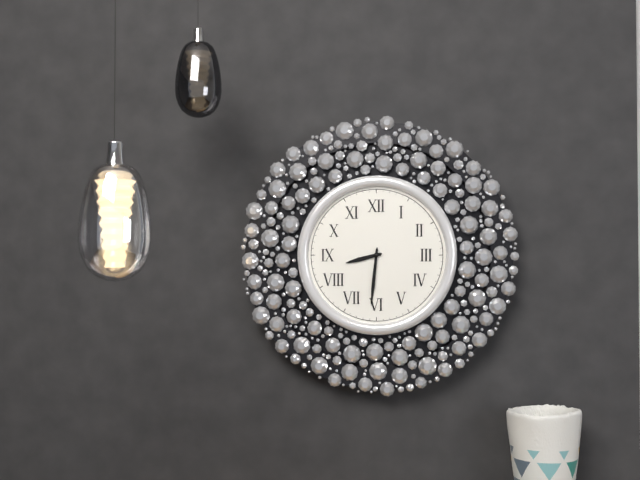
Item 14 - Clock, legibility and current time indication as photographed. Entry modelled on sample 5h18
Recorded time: 8h31
